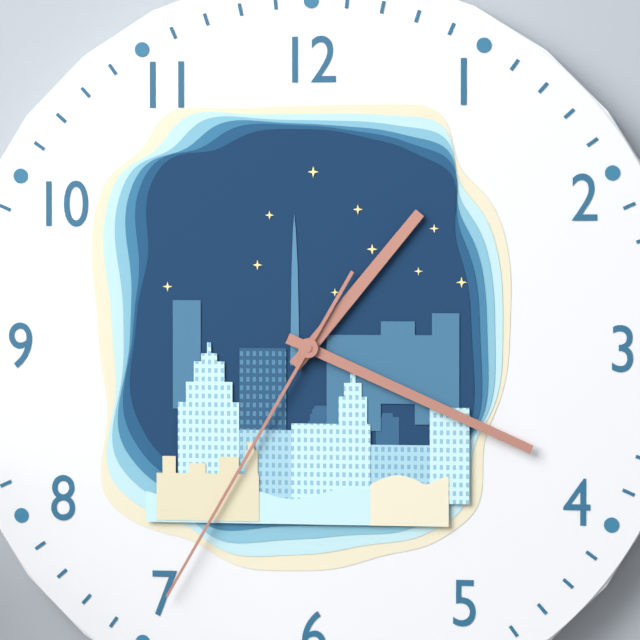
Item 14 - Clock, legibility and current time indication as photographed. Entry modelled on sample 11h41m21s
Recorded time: 1h19m35s
